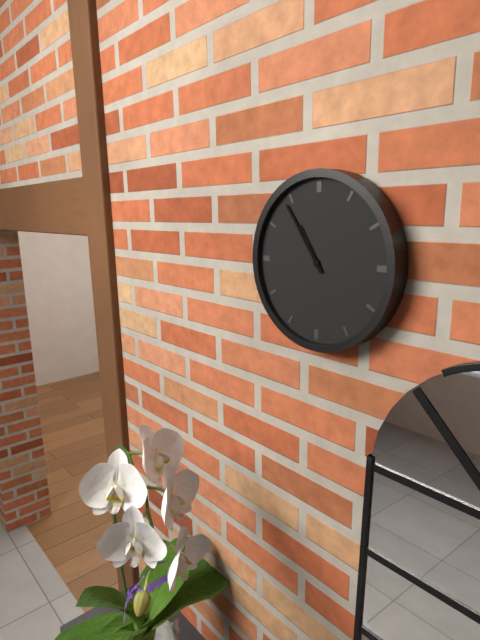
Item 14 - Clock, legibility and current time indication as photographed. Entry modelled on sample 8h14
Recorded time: 10h54
